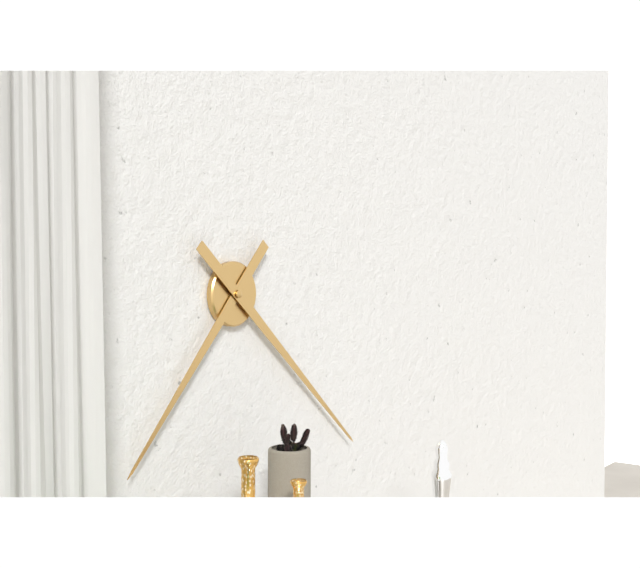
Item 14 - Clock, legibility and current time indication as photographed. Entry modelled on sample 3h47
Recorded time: 7h22
